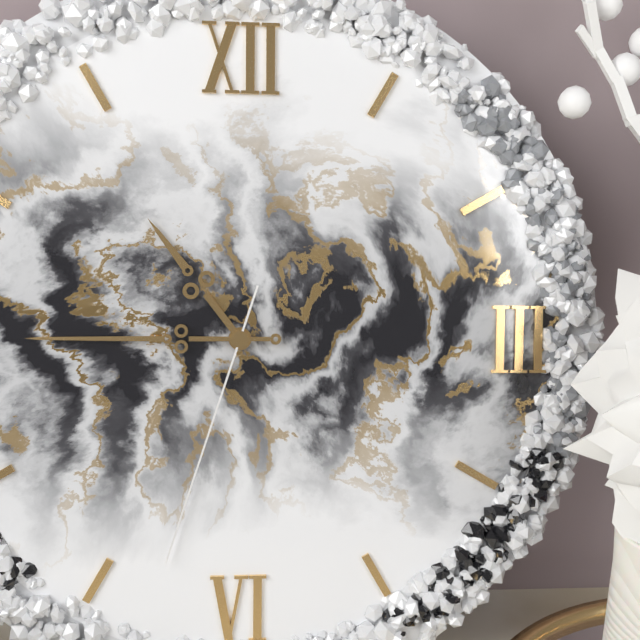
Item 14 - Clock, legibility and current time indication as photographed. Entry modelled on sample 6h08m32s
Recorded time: 10h45m33s
